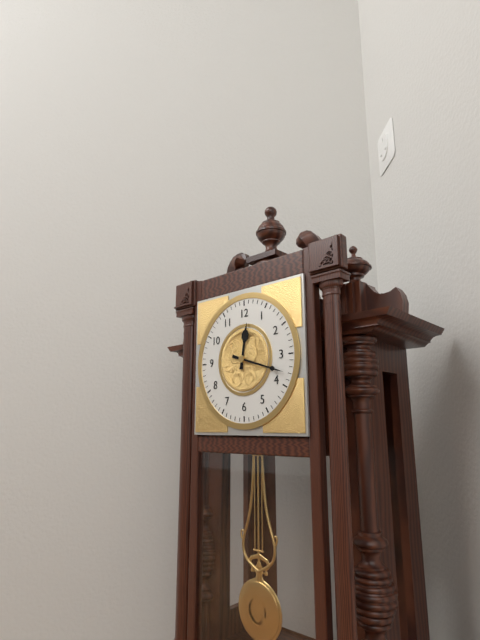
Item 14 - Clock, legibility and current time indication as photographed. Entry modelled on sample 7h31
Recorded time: 12h18
